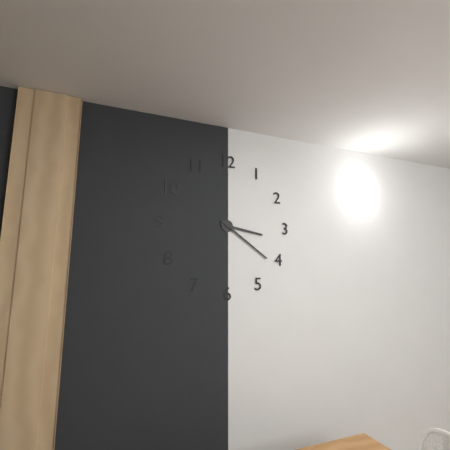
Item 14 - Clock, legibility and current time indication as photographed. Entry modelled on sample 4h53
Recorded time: 3h21
